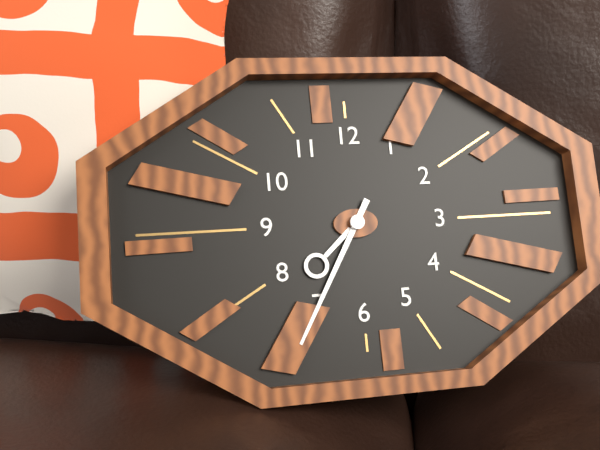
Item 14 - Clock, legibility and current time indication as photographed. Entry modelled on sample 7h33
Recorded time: 7h35
